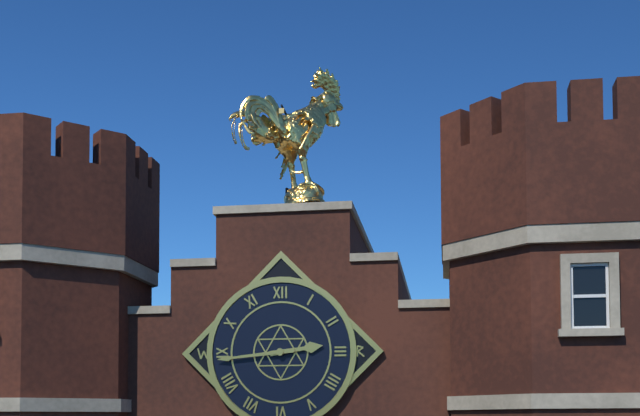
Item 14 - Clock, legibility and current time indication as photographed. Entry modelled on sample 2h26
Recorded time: 2h44
